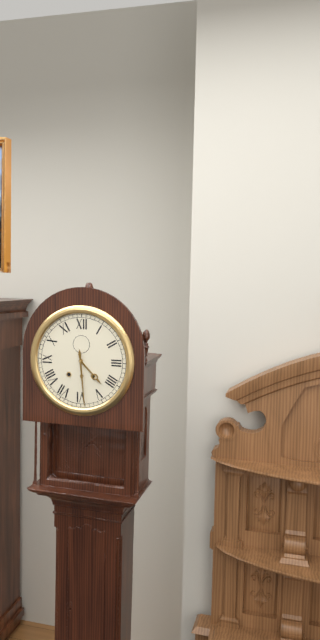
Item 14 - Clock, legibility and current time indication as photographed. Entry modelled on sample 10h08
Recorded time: 4h29
